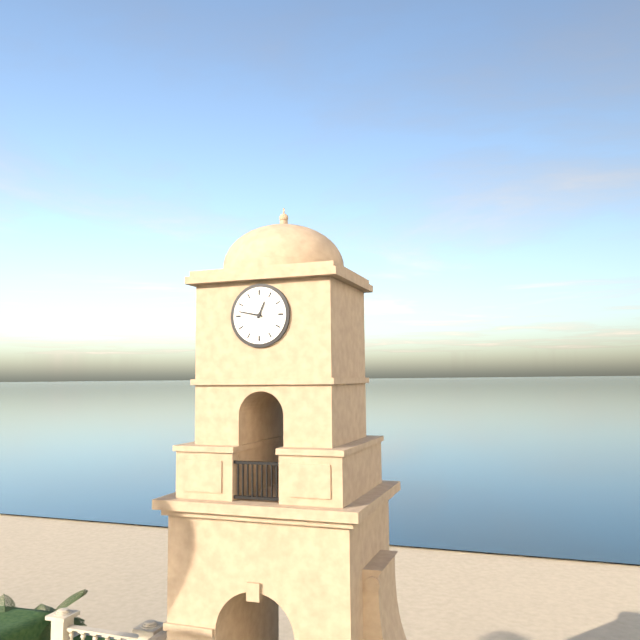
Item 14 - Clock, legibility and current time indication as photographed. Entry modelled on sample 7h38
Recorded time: 12h47
